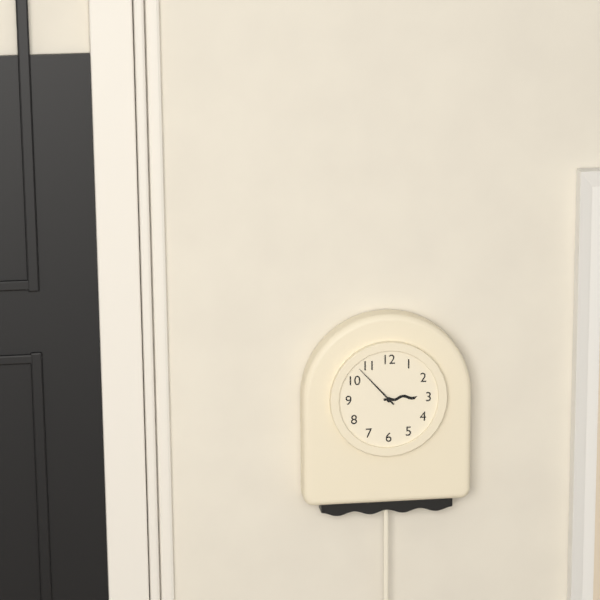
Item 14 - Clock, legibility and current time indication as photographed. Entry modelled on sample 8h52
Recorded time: 2h53
